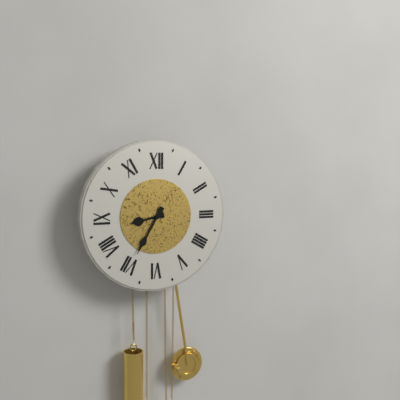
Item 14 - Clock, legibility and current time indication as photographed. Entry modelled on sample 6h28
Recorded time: 8h35
